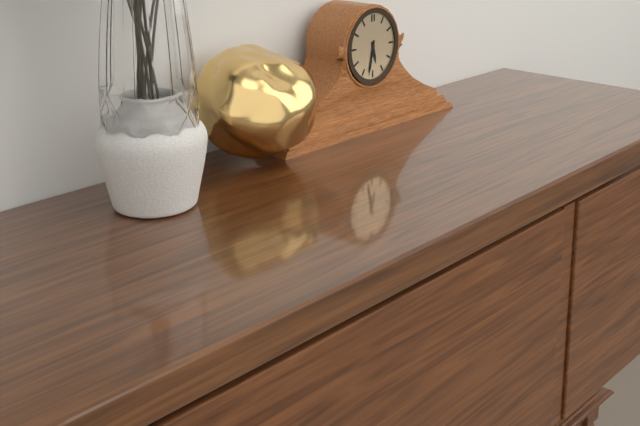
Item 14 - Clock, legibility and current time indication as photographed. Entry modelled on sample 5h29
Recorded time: 5h32
